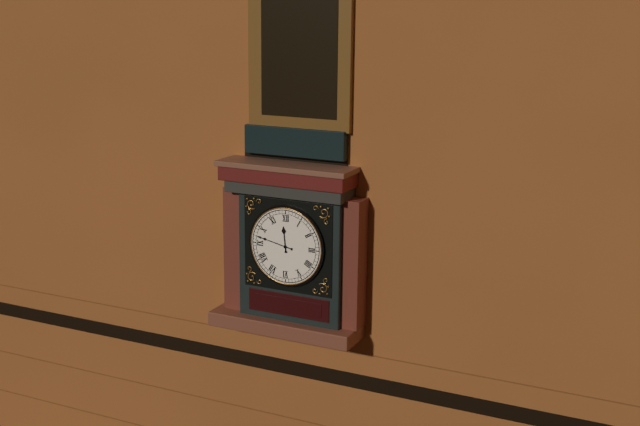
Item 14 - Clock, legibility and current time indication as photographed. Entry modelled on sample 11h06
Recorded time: 11h47
